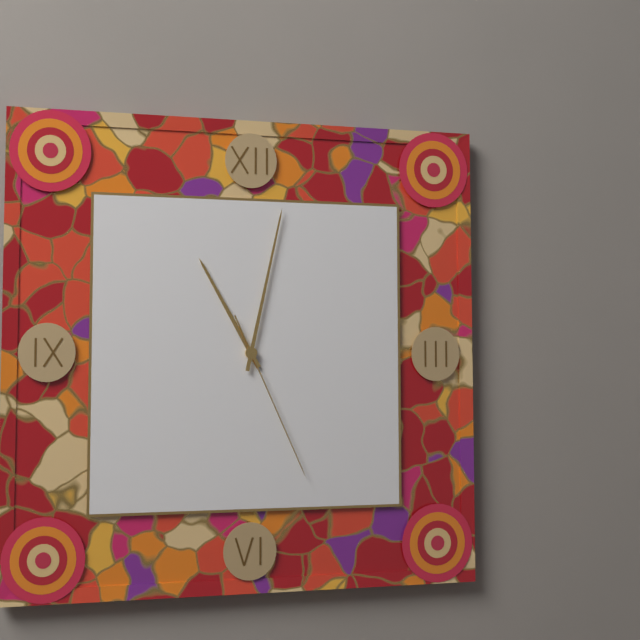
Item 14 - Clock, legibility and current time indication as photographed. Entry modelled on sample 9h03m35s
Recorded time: 11h02m26s
